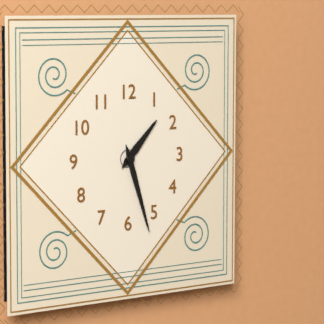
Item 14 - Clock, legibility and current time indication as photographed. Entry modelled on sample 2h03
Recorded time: 1h27
